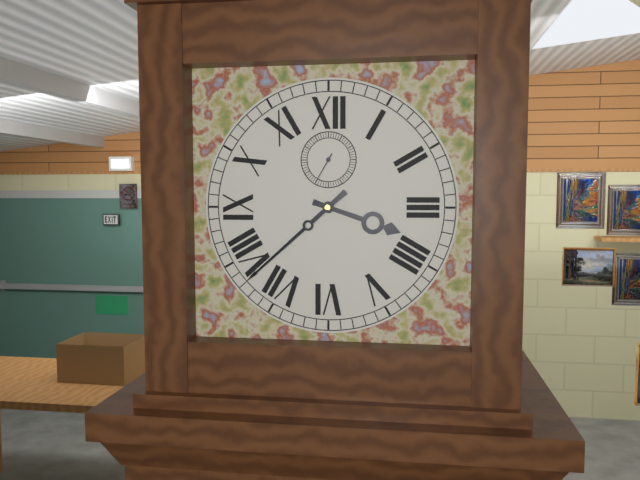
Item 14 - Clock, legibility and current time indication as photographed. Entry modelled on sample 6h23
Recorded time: 3h38
